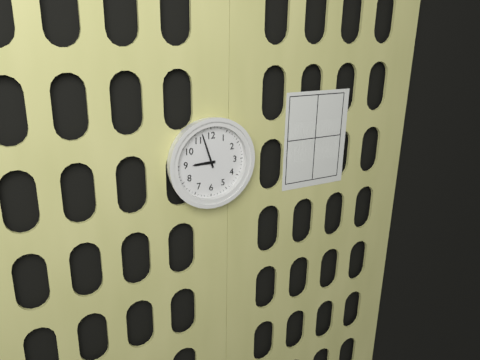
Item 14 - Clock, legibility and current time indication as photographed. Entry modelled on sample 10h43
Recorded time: 8h57
